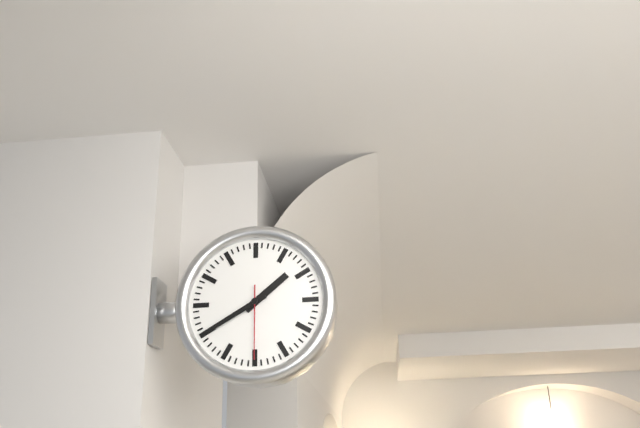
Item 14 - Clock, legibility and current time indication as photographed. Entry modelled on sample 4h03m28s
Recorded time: 1h40m30s
